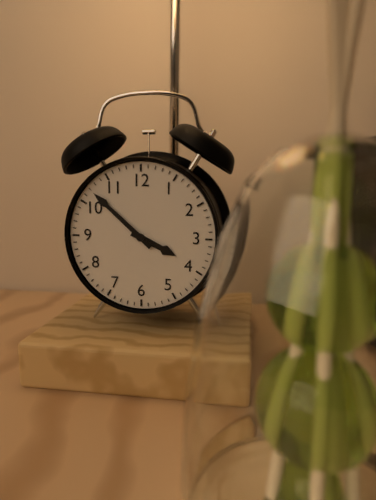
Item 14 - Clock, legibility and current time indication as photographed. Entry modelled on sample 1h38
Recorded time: 3h52
